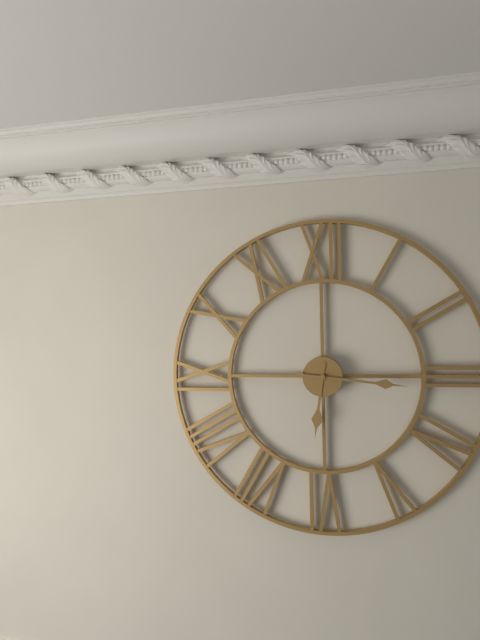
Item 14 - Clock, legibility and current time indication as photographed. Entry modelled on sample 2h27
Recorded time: 6h16
